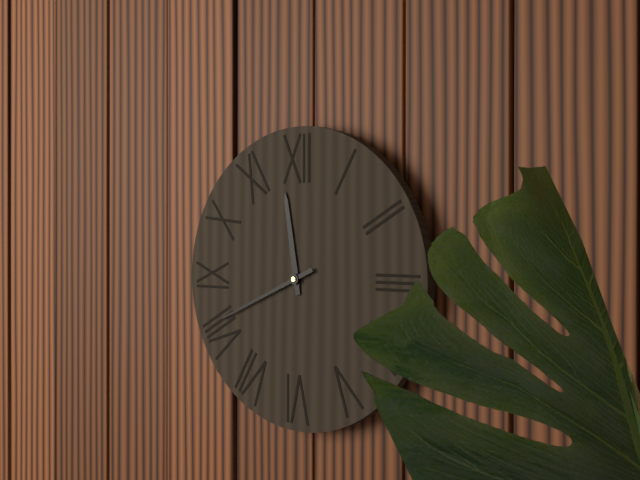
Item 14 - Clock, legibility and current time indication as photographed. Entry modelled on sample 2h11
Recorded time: 11h41
